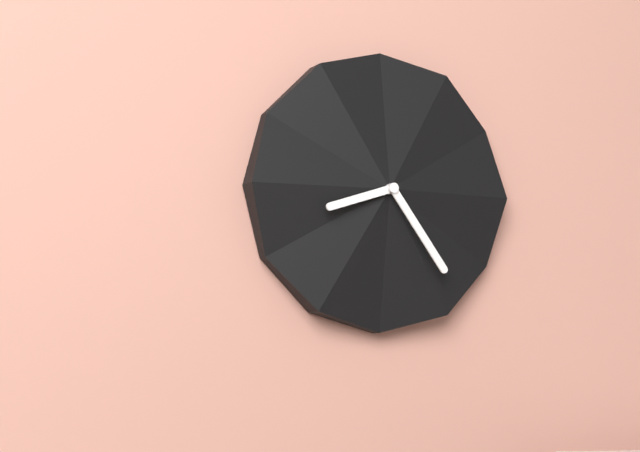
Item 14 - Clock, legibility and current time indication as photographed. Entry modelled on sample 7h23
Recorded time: 8h24
